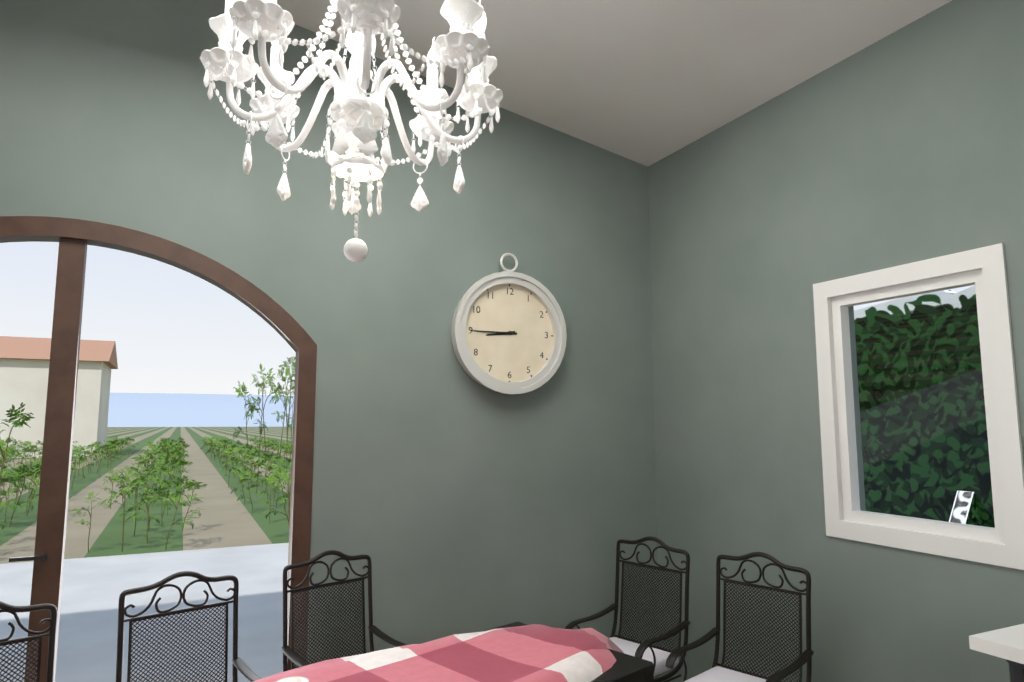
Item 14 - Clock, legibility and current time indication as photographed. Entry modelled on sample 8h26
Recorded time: 8h45
